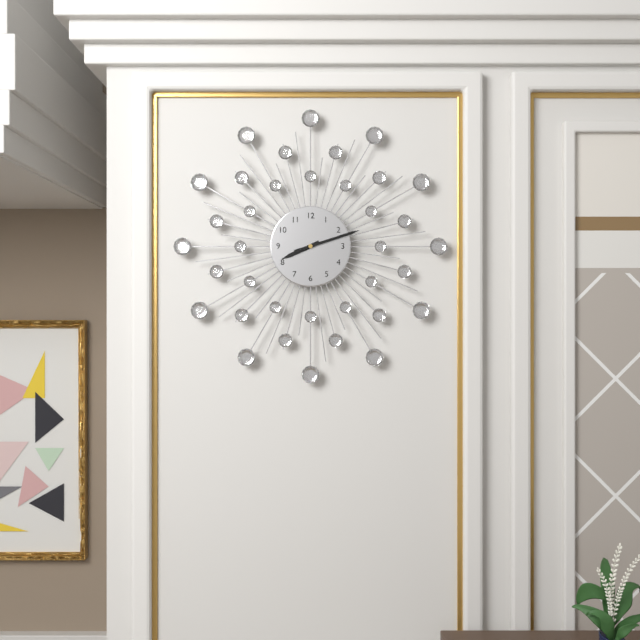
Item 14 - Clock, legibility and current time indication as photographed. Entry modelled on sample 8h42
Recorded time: 8h12
